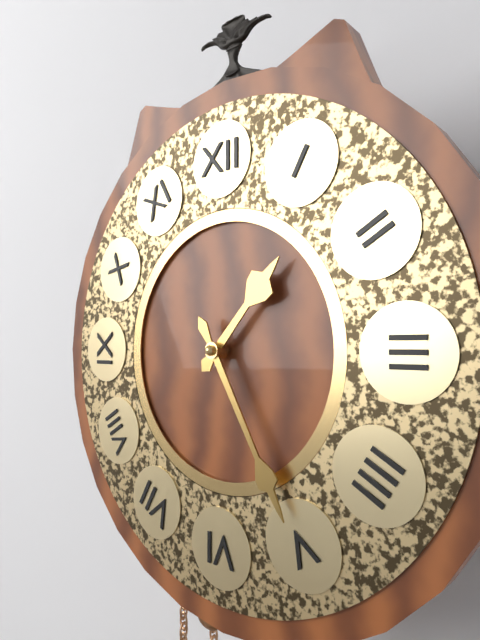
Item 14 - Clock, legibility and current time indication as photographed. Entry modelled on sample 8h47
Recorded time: 1h25
